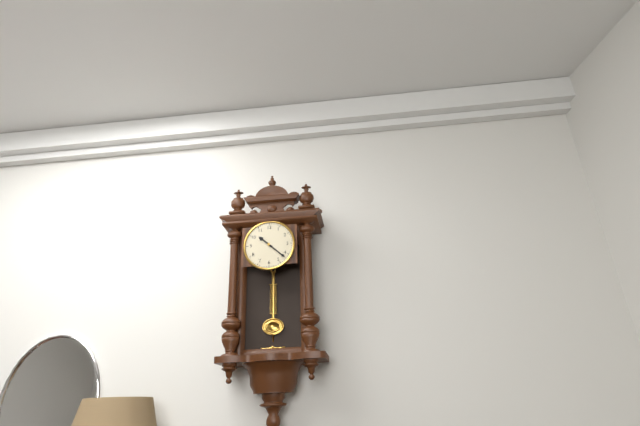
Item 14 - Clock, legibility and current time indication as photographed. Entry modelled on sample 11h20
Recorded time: 10h22
